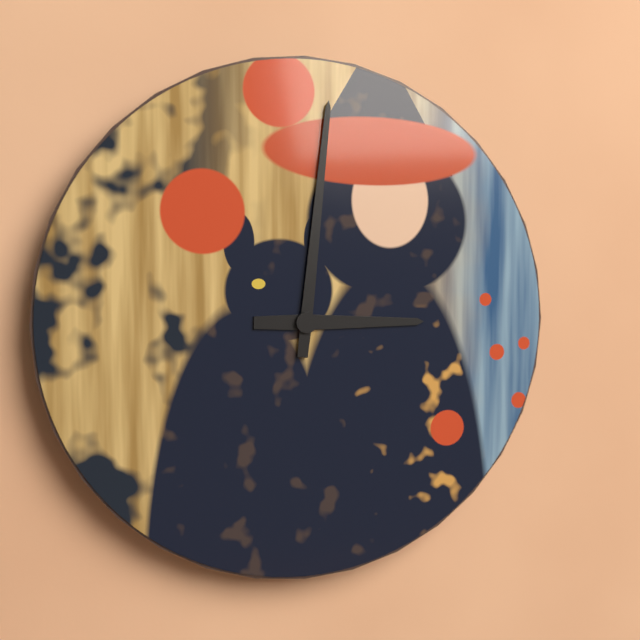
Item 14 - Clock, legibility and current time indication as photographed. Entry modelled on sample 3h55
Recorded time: 3h01
